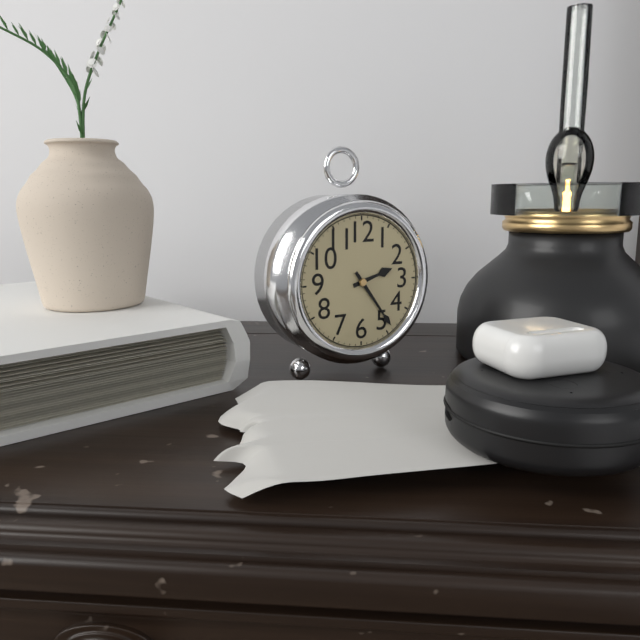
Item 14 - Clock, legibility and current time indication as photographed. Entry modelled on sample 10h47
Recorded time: 2h24
